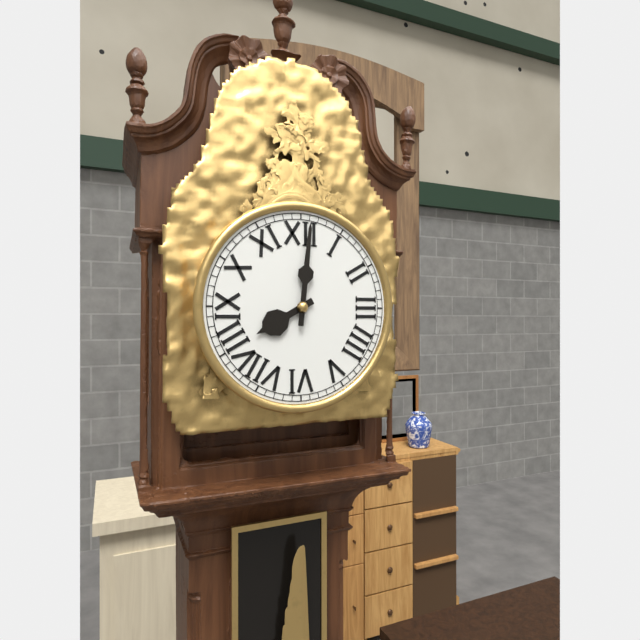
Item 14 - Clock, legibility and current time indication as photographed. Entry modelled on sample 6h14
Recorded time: 8h01
